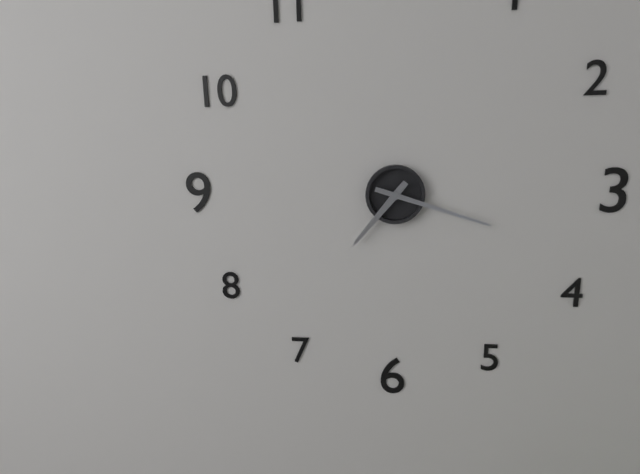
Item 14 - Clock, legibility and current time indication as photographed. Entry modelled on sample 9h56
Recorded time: 7h18
